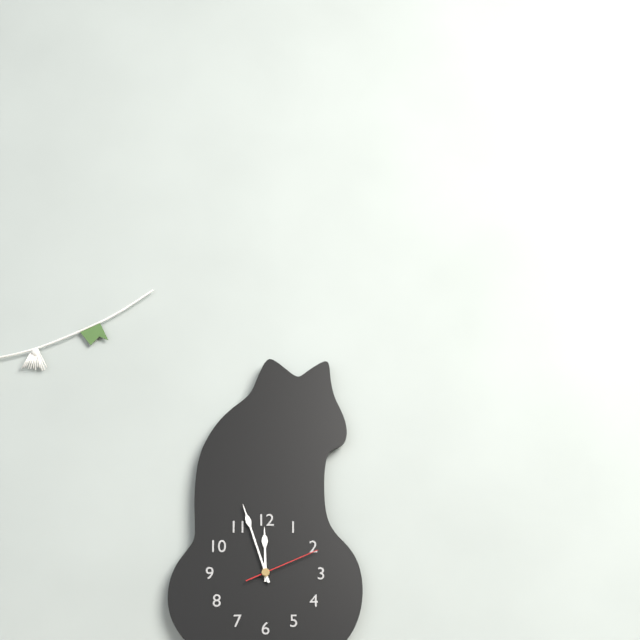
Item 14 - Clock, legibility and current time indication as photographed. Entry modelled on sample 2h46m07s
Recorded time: 11h57m11s
